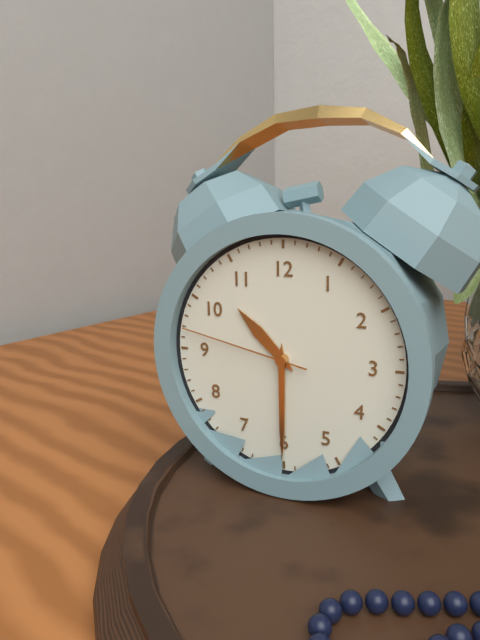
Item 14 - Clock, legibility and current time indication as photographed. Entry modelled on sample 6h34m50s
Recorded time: 10h30m47s
